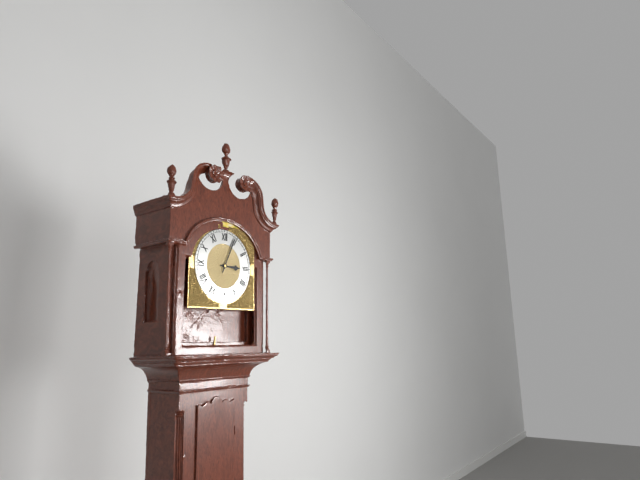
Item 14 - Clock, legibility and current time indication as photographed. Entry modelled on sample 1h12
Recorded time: 3h04
